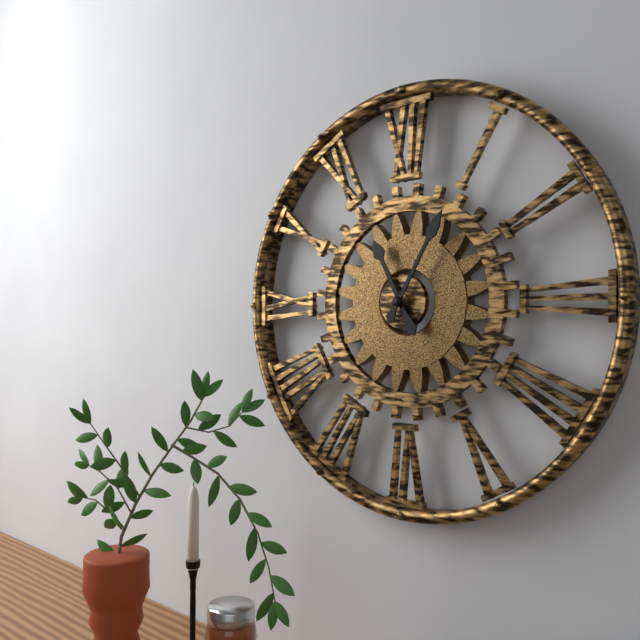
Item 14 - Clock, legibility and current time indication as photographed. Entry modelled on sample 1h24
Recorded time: 11h05
